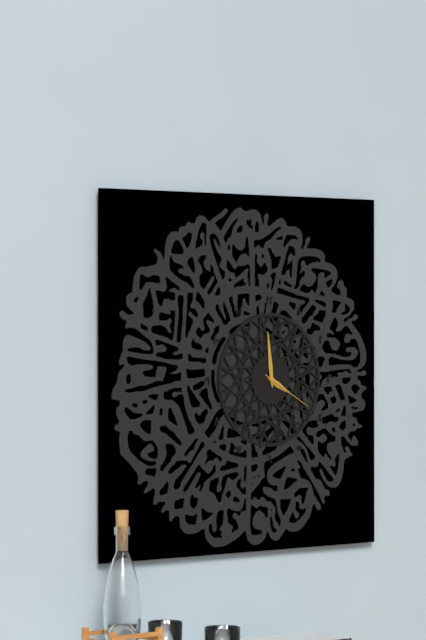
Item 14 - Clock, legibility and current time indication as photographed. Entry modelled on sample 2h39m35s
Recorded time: 3h59m20s
